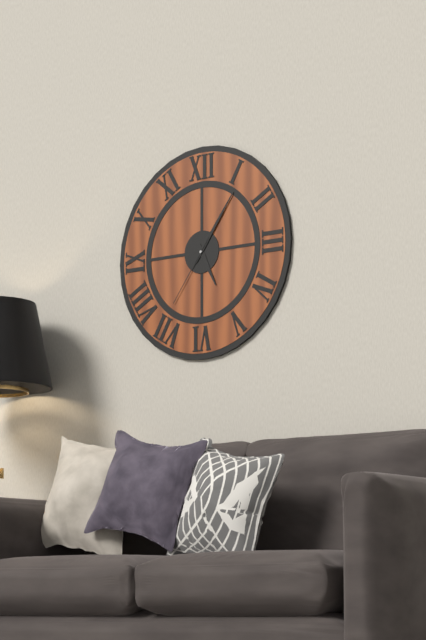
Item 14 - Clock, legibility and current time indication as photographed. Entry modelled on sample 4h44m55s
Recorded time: 5h06m36s
